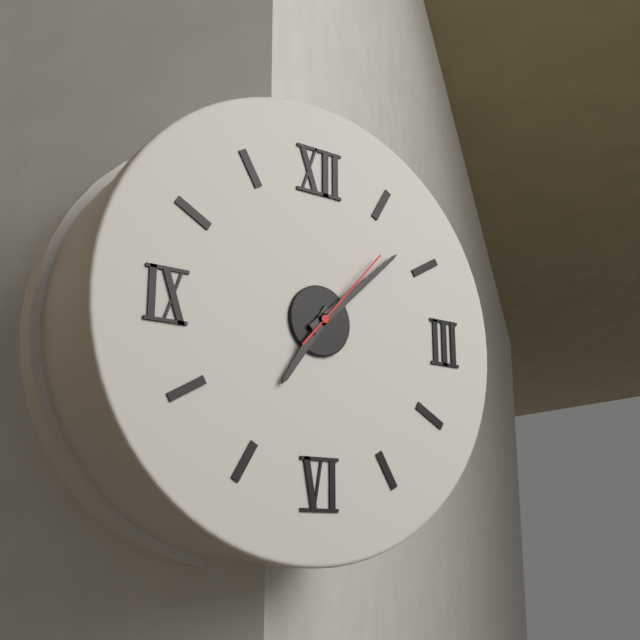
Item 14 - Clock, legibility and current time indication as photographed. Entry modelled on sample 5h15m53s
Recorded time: 7h08m07s
